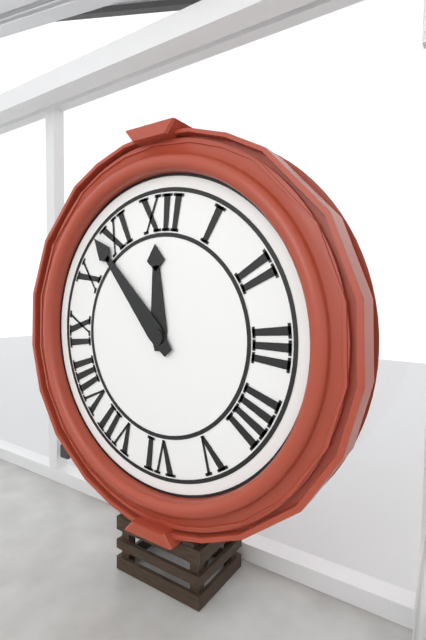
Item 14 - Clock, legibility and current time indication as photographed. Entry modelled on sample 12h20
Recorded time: 11h53
